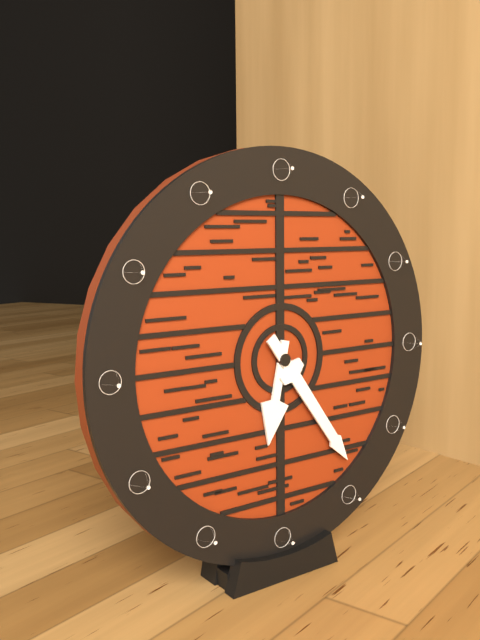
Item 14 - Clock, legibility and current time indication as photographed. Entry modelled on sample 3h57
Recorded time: 6h24
